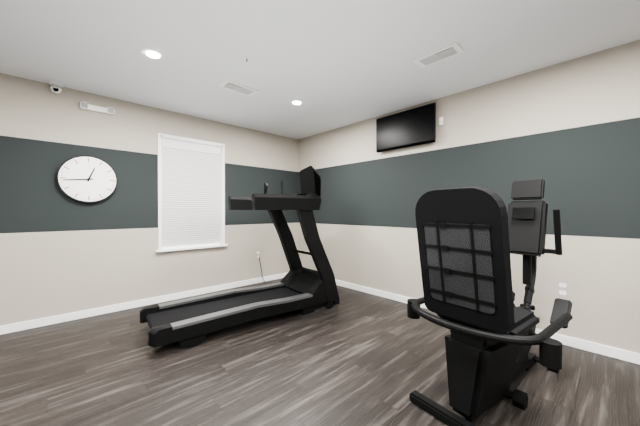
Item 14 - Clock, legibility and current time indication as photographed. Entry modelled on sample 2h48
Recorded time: 12h44
